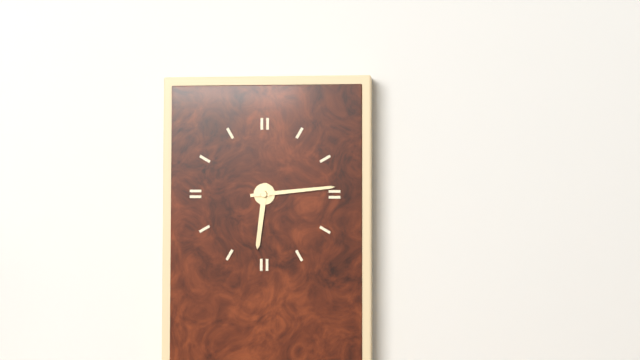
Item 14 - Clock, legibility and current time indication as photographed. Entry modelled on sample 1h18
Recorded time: 6h14
